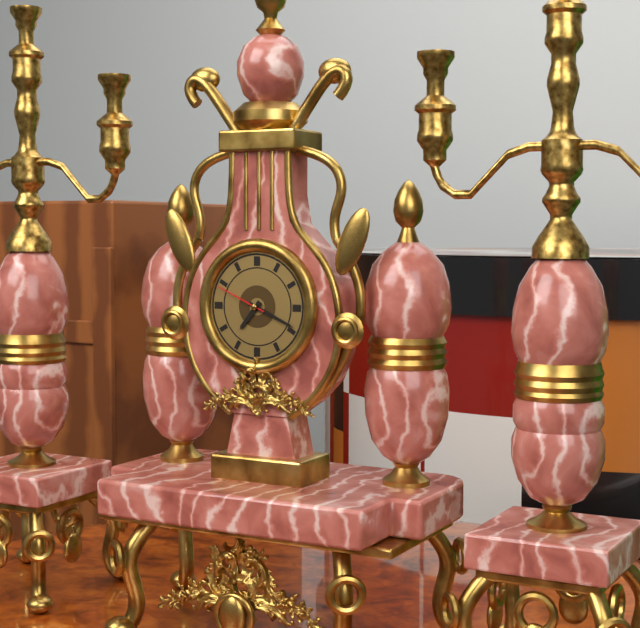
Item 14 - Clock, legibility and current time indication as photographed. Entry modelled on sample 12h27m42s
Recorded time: 7h19m49s
